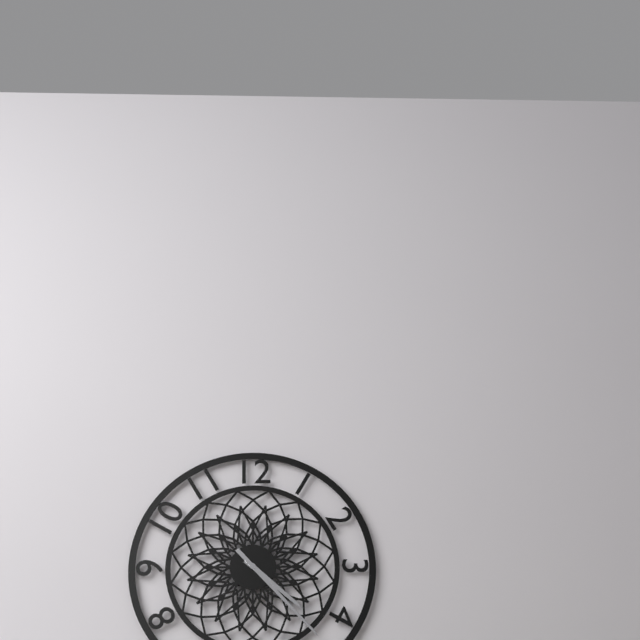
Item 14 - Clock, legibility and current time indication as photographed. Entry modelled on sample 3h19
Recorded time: 4h23
